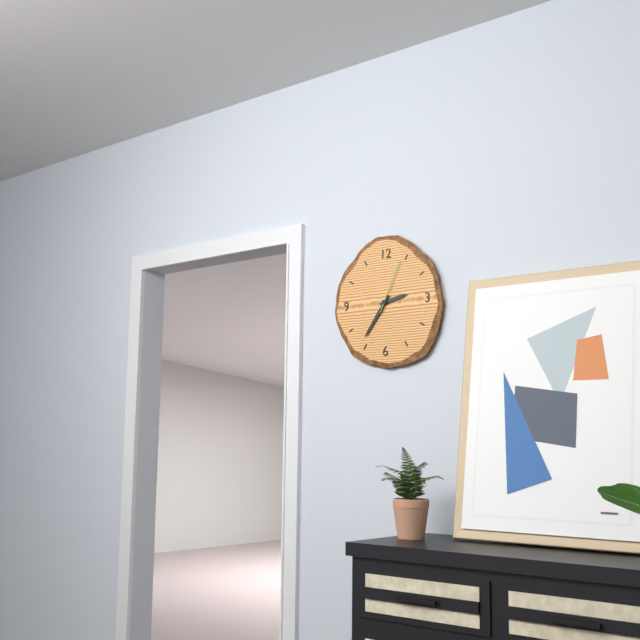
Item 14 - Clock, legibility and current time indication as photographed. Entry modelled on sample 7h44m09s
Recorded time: 2h36m04s
